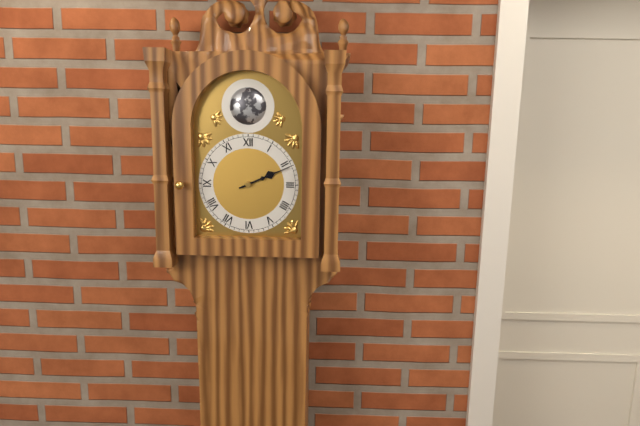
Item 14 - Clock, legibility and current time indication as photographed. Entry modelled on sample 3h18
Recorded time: 2h11
